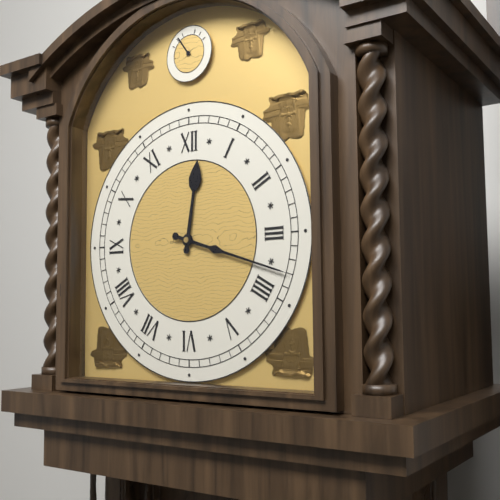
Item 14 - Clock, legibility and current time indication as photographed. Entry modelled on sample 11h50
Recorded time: 12h18
